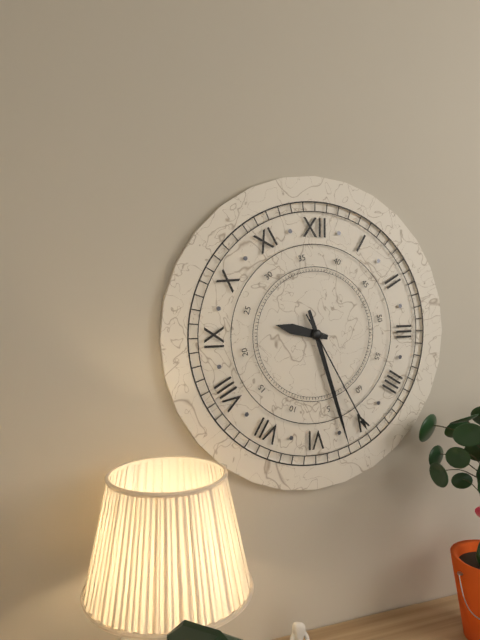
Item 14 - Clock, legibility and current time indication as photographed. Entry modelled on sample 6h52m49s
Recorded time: 9h27m25s
